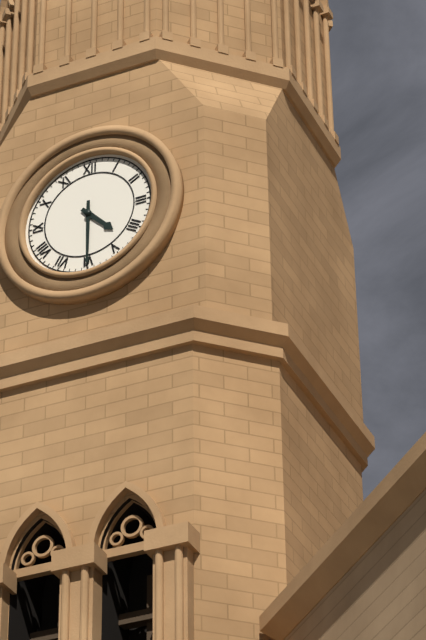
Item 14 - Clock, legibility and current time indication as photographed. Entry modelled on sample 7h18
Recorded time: 4h30
